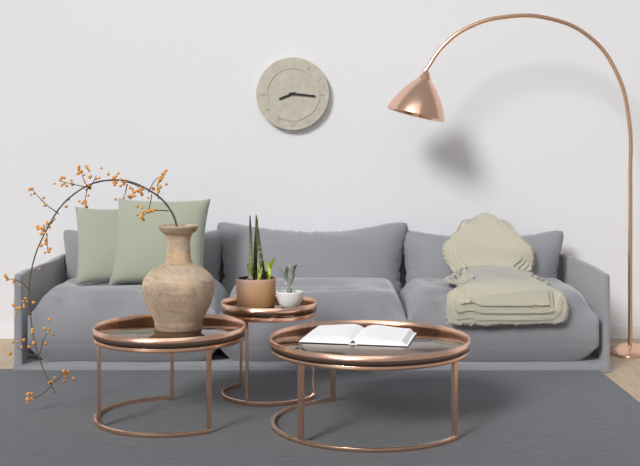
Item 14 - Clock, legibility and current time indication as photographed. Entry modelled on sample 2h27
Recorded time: 8h16
